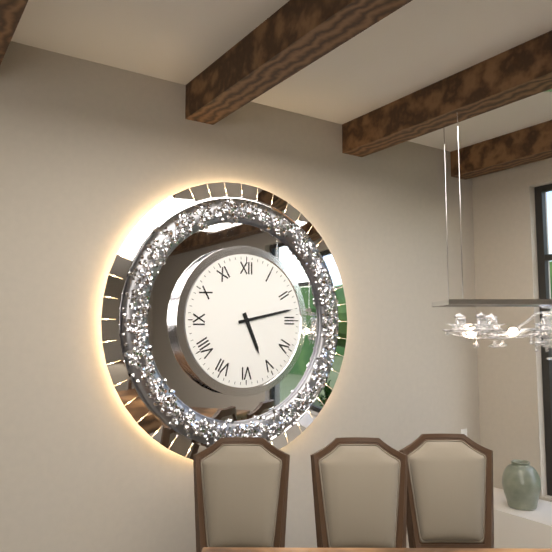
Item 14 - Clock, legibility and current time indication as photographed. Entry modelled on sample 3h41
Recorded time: 5h13
